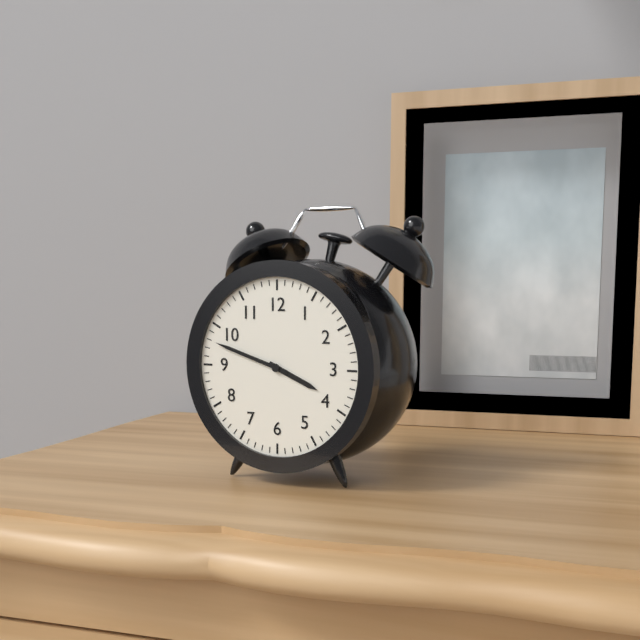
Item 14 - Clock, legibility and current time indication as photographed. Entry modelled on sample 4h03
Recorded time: 3h48
